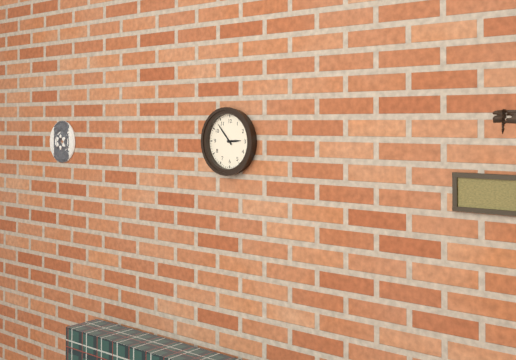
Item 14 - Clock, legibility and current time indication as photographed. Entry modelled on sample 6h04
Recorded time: 2h53
